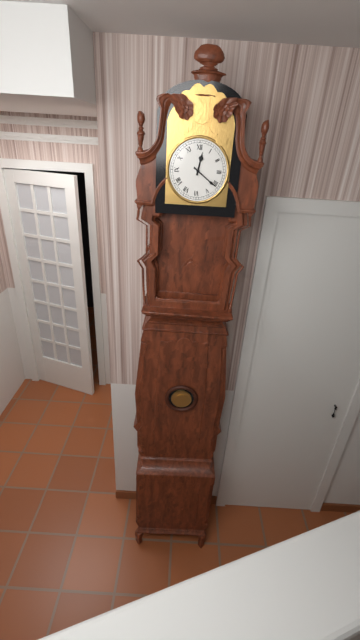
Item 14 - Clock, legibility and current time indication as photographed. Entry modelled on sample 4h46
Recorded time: 12h21
